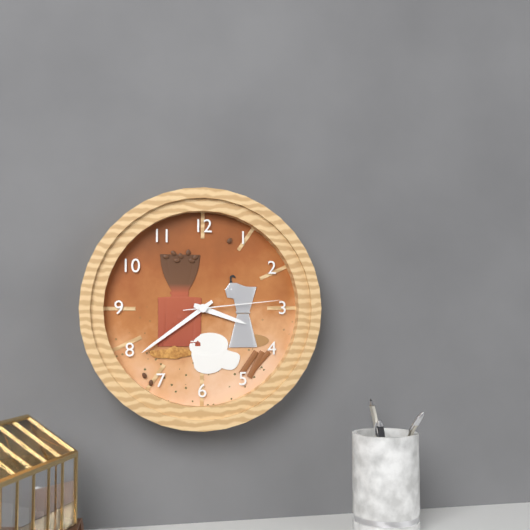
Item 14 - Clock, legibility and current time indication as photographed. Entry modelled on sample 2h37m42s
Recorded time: 3h39m14s
